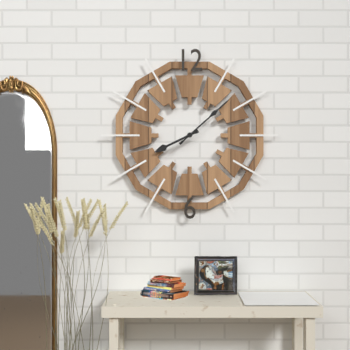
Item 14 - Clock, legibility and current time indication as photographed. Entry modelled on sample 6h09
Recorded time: 8h08
